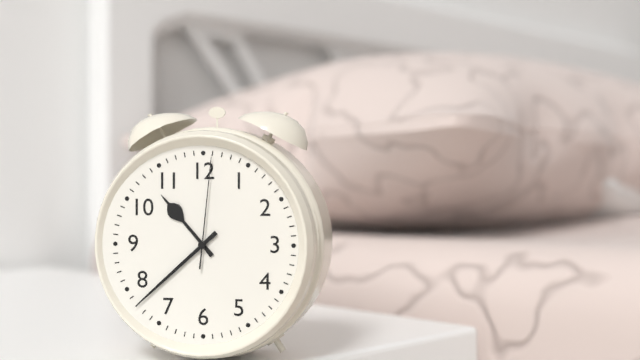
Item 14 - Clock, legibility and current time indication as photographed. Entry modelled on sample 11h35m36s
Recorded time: 10h38m01s
